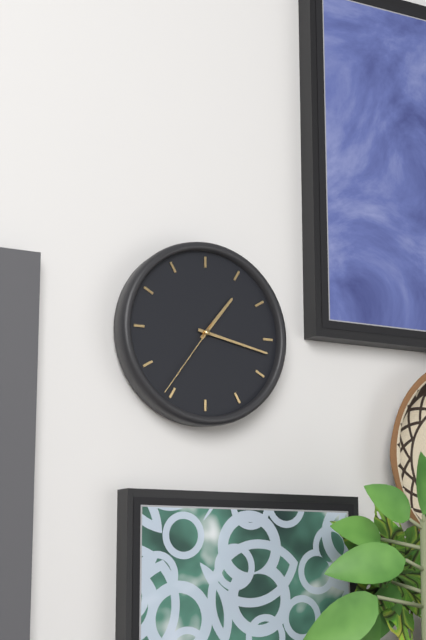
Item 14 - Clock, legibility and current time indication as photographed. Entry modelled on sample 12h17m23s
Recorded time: 1h17m36s
